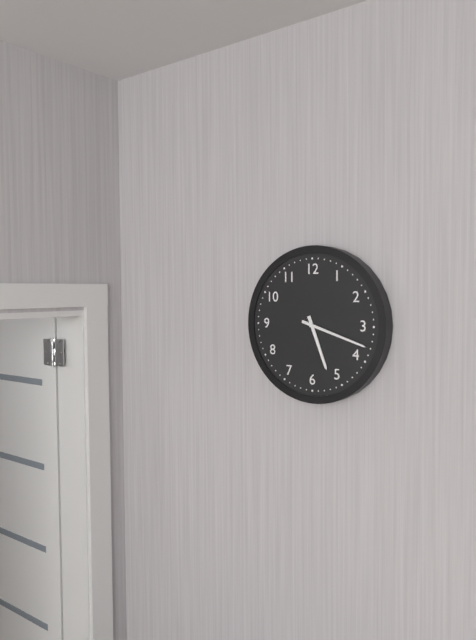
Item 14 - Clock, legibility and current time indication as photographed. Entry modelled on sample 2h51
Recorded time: 5h18
